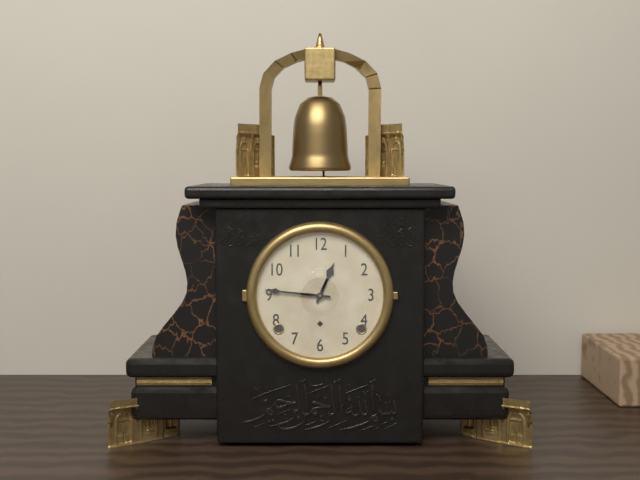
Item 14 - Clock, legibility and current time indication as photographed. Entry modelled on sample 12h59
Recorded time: 12h46
